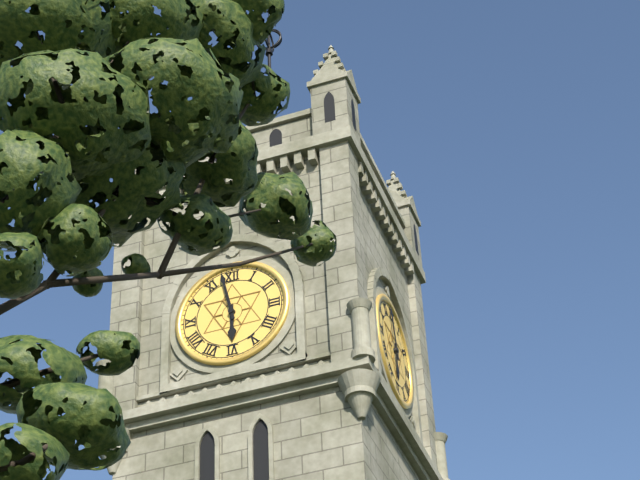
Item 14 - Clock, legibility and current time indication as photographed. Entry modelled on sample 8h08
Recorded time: 5h58
